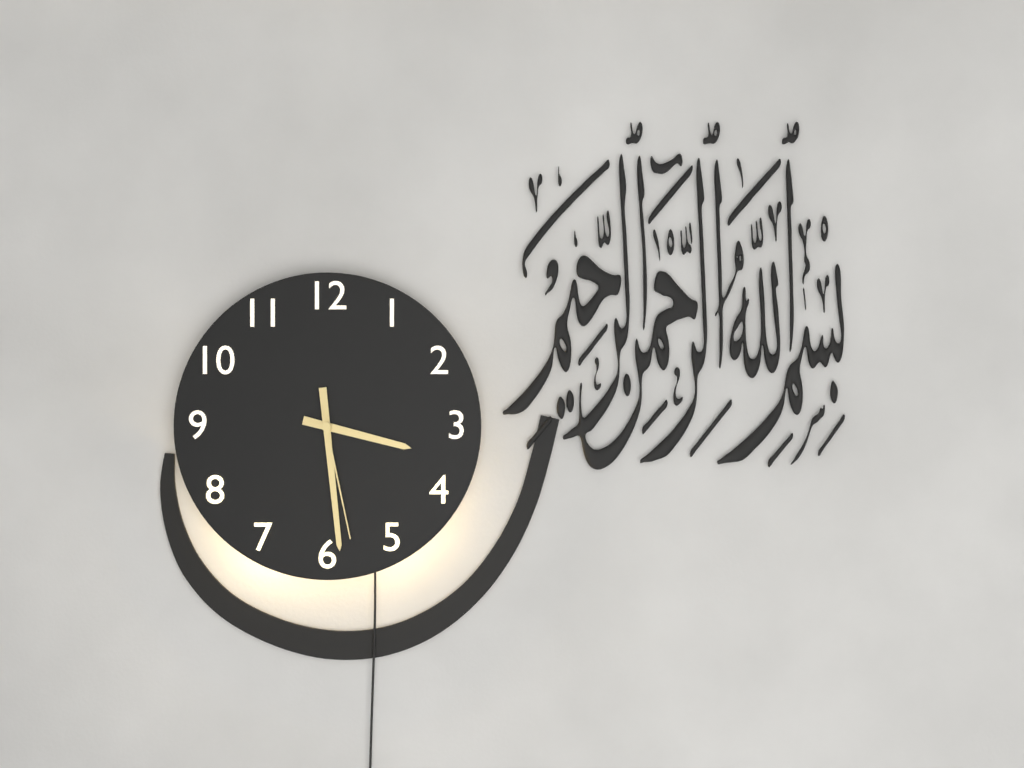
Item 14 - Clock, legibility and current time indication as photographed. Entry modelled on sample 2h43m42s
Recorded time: 3h29m28s
